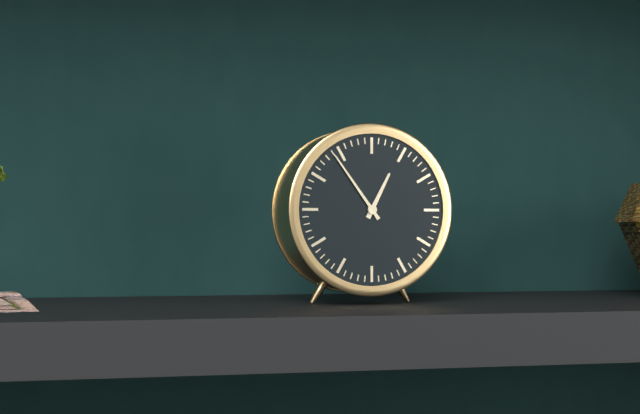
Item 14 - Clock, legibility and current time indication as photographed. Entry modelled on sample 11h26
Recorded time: 12h54
